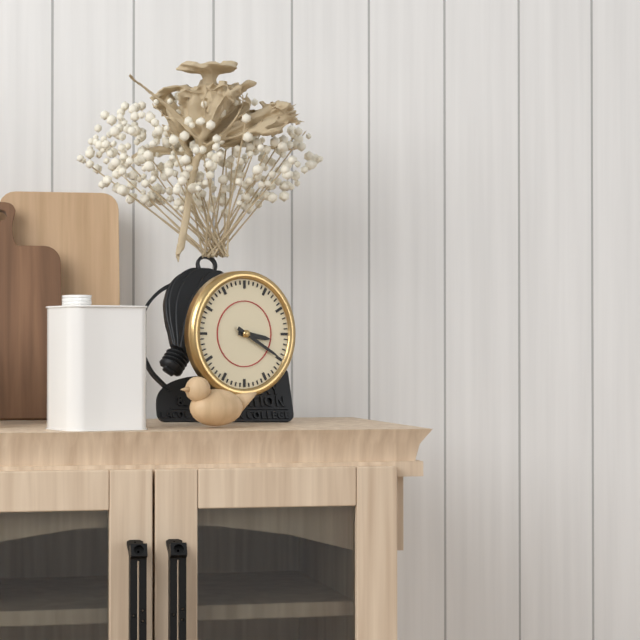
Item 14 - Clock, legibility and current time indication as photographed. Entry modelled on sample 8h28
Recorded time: 3h20
